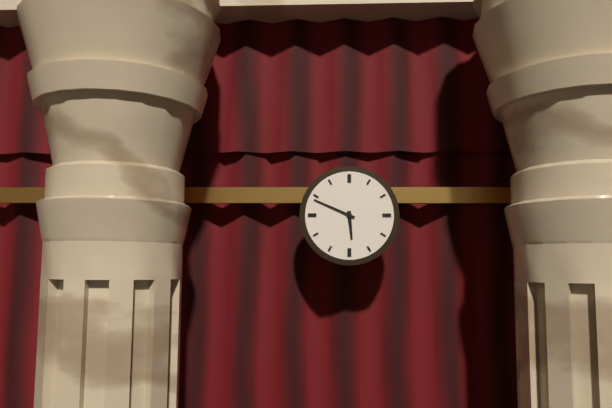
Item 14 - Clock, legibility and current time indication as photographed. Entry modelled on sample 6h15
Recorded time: 5h49
